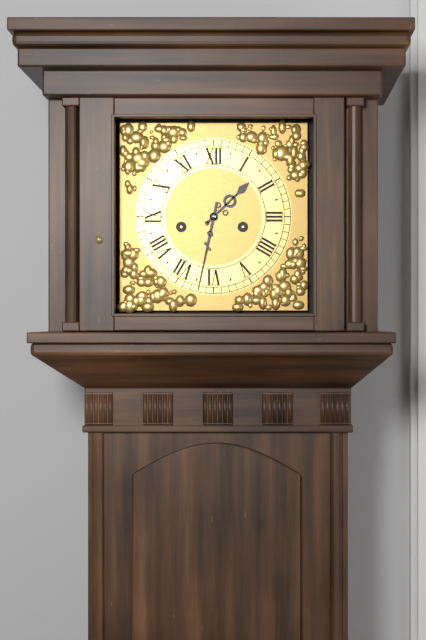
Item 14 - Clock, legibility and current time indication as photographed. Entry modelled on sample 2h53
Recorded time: 1h32
